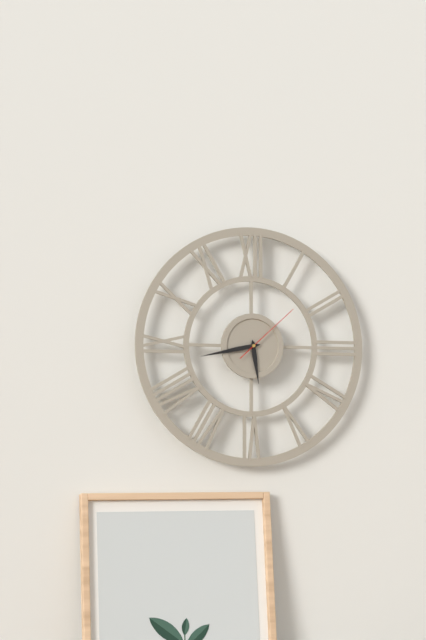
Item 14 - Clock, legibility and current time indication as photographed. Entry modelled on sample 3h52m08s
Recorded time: 5h43m08s
